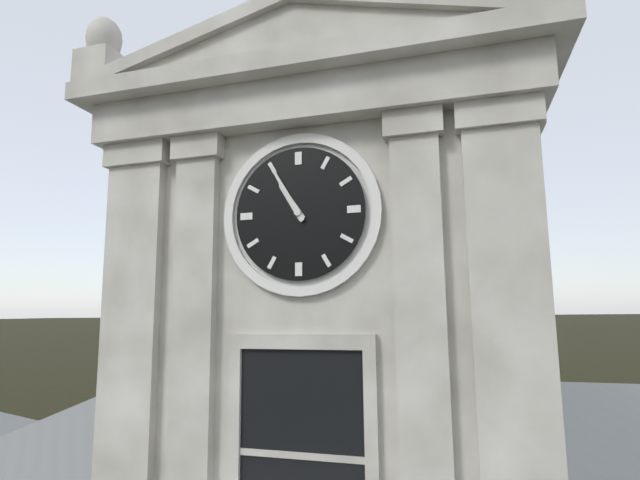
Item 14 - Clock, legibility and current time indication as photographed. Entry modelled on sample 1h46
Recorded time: 10h55
